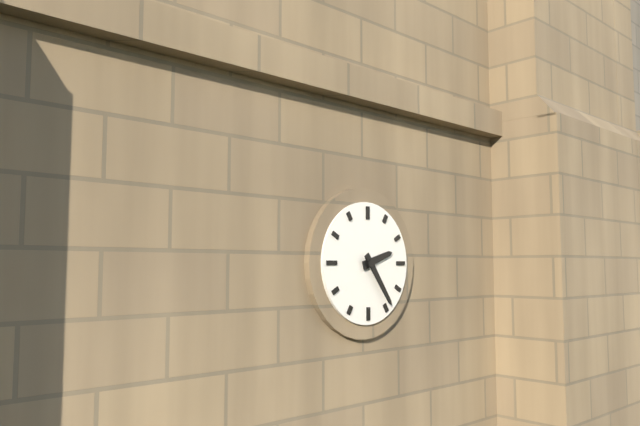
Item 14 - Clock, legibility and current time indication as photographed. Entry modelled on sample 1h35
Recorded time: 2h24
